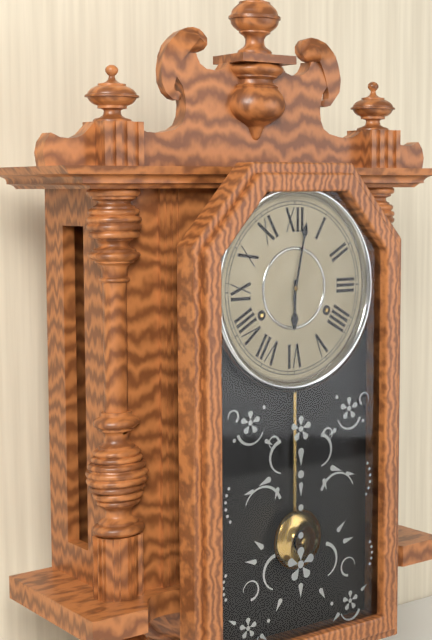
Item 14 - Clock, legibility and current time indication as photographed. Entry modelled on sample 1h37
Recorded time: 6h02
